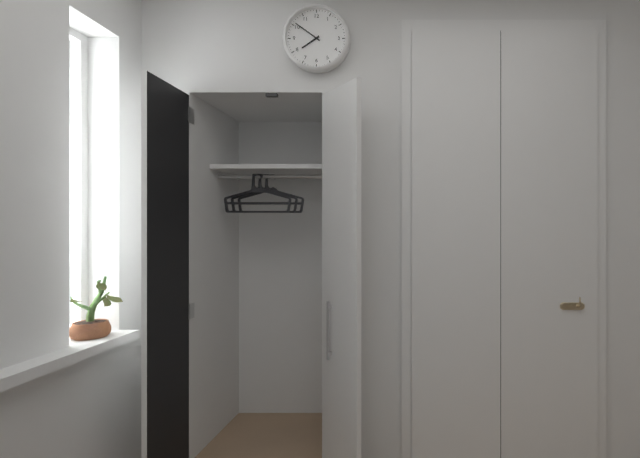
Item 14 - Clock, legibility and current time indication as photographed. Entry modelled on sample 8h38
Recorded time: 7h51
